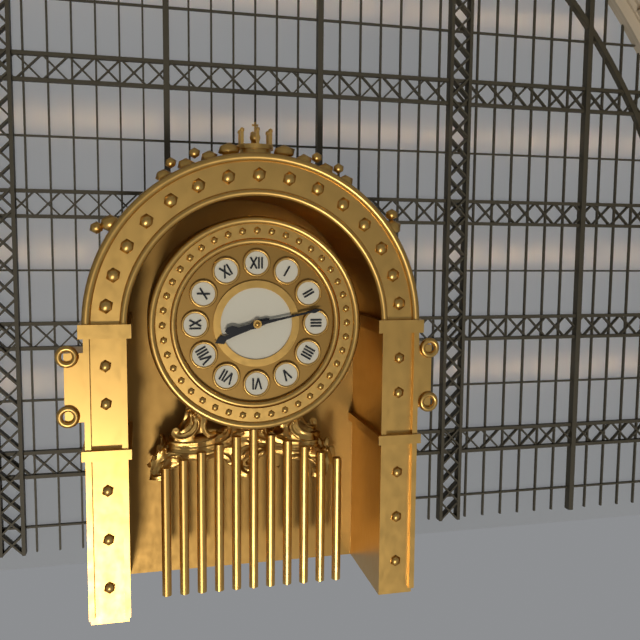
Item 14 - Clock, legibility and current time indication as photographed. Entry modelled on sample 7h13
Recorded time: 8h13
